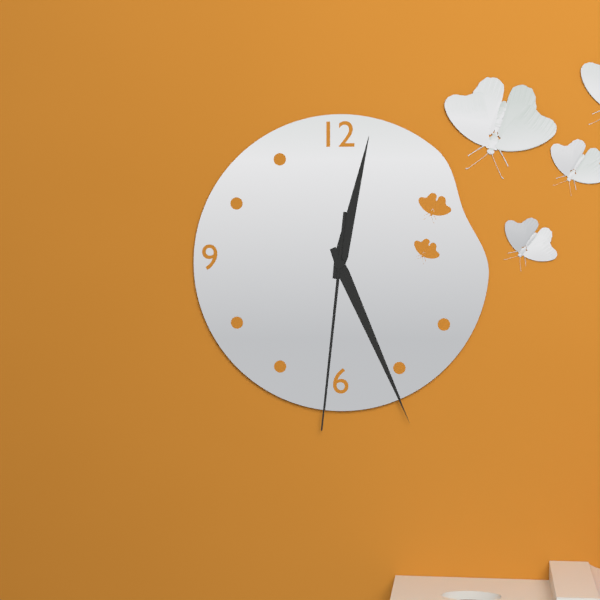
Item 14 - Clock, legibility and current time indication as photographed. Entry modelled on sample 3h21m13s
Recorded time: 12h26m31s
